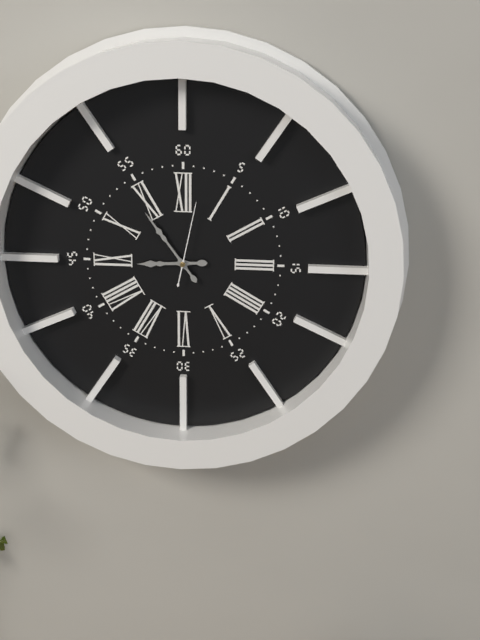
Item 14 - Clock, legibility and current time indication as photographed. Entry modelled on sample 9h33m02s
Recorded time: 8h54m02s
